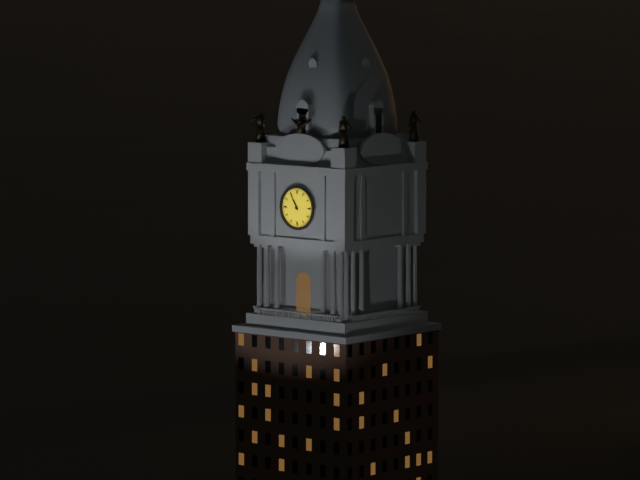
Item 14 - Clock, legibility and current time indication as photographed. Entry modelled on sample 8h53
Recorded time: 10h55
